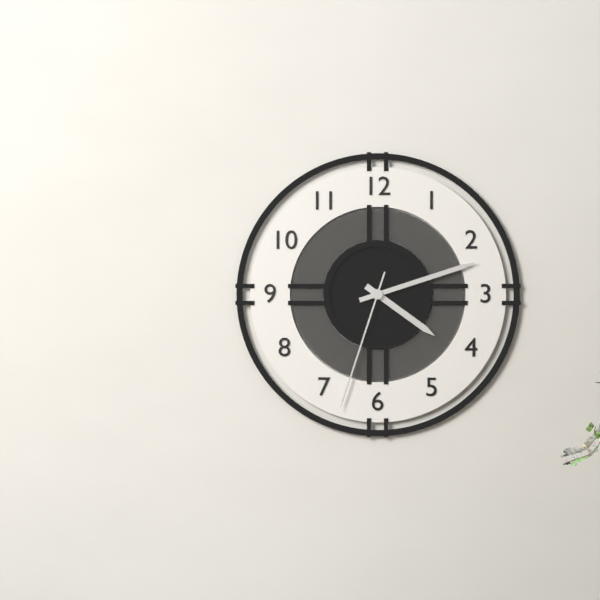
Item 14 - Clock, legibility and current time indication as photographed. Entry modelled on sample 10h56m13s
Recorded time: 4h12m33s
